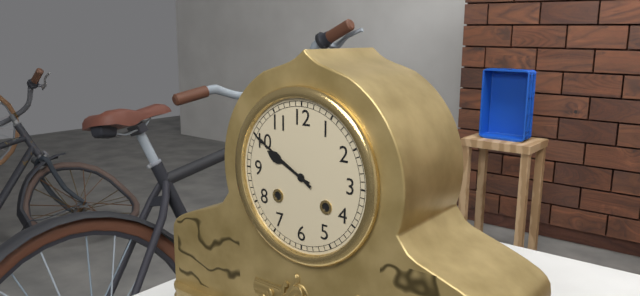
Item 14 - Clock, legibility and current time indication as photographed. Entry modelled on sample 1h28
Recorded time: 9h50
